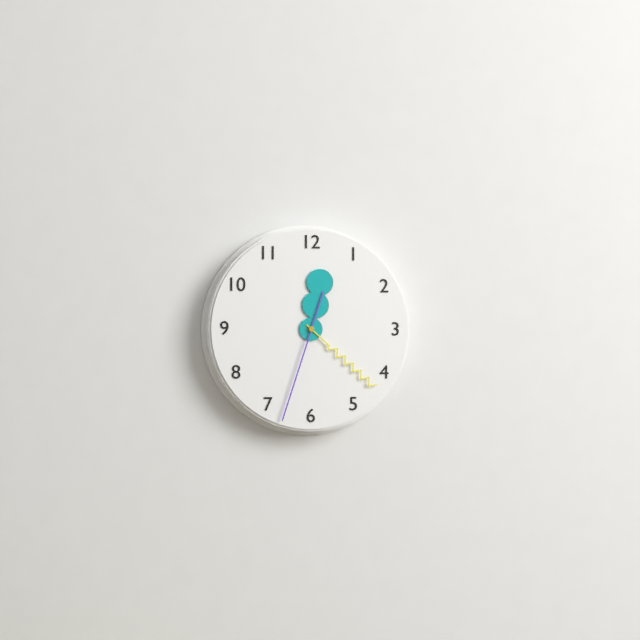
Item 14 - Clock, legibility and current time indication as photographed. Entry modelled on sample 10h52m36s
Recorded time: 12h22m33s
